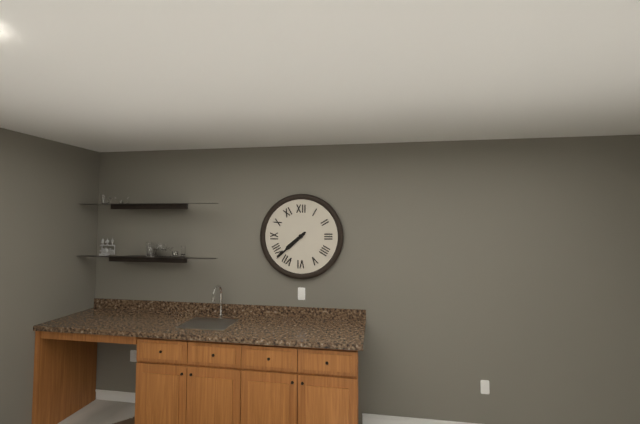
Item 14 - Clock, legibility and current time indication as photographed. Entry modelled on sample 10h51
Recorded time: 7h38
